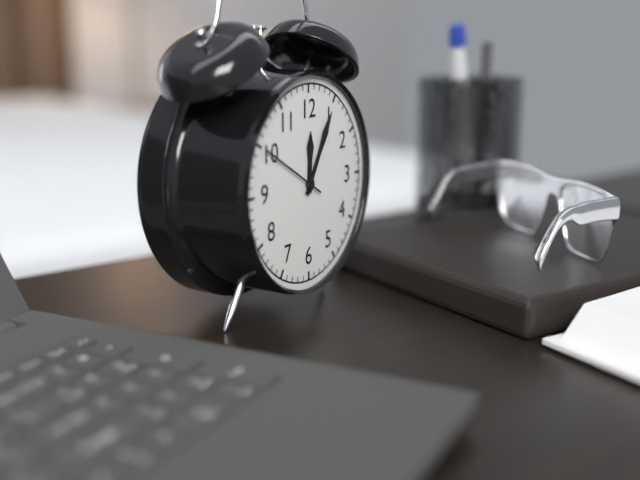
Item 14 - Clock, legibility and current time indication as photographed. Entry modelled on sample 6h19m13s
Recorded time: 12h05m50s
